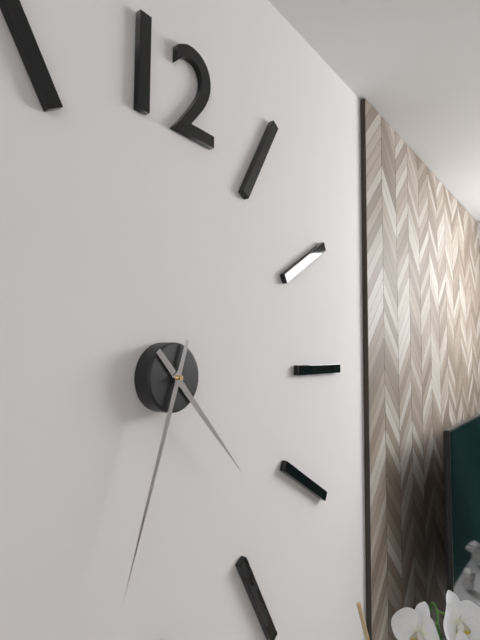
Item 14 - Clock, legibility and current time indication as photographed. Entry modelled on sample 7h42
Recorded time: 4h33
